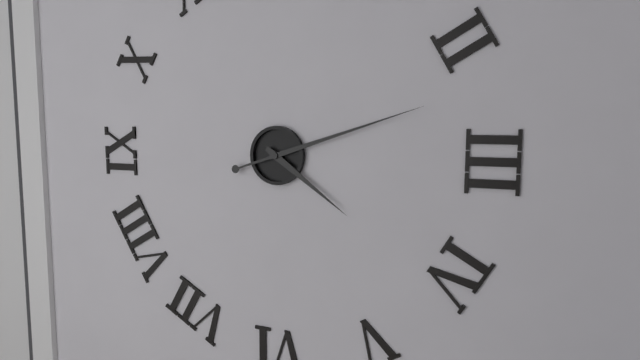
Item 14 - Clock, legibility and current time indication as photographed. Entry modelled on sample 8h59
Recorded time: 4h12
